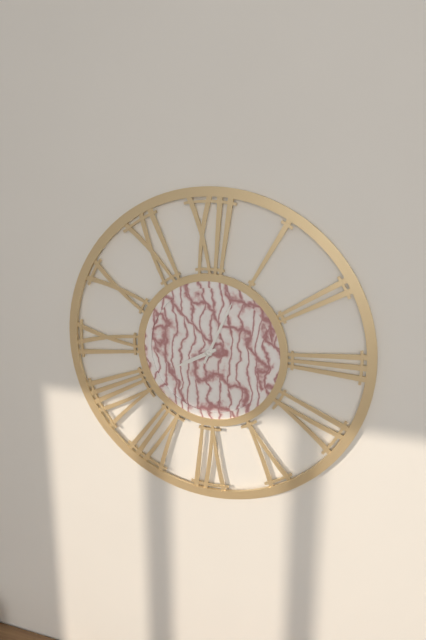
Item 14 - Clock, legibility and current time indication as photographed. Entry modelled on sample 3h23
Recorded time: 8h04
